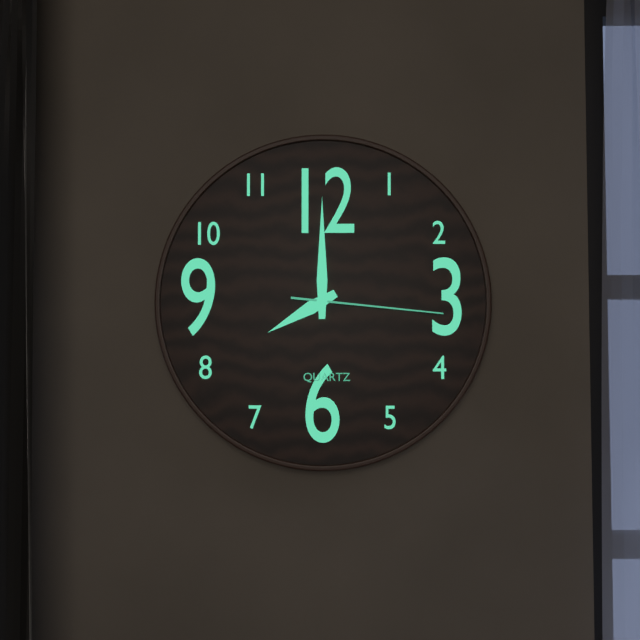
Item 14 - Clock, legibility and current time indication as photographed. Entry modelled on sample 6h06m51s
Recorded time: 8h00m16s
